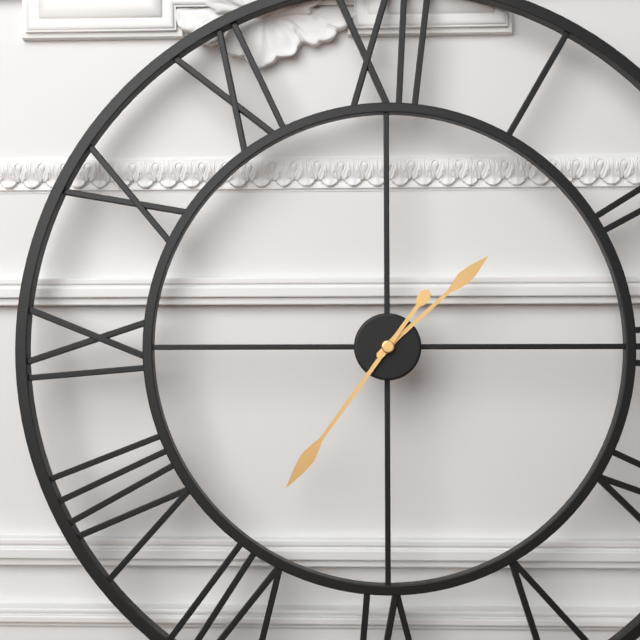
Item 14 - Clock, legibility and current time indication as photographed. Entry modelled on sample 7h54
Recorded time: 1h36
